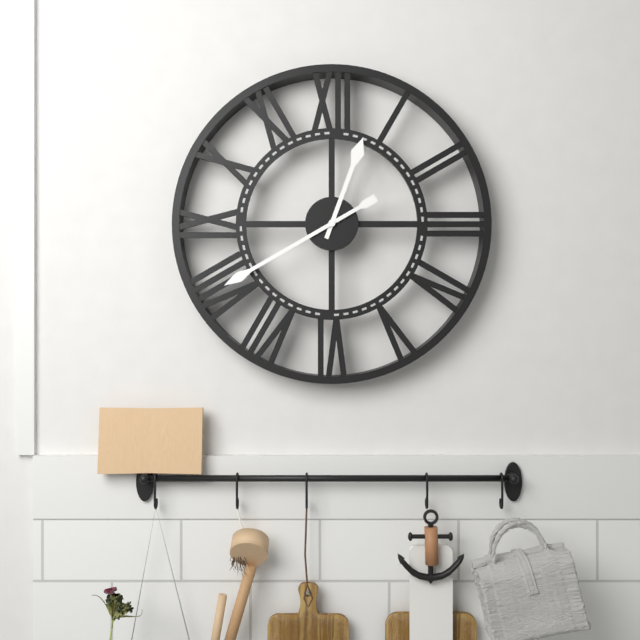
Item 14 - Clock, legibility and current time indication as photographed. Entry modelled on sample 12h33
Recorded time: 12h40
